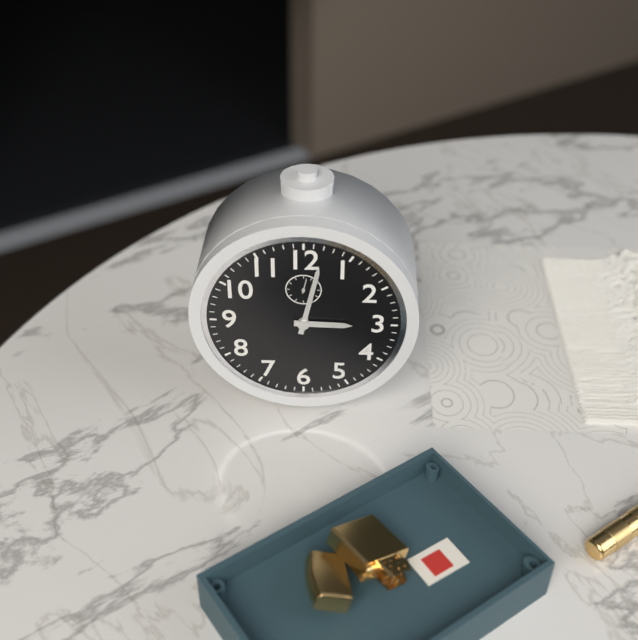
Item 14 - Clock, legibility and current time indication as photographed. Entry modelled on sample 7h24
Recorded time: 3h02
